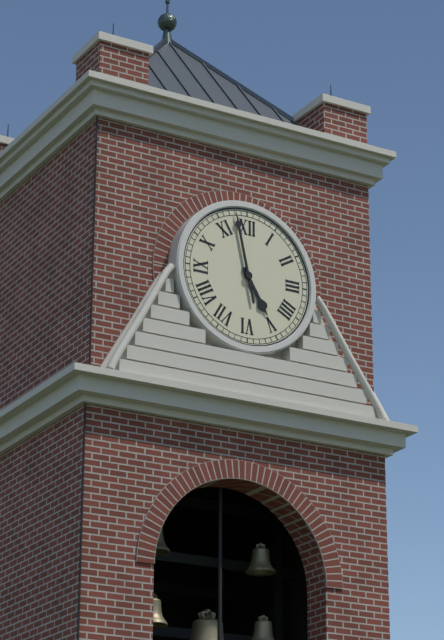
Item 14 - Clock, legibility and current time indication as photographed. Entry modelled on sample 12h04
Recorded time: 4h58
